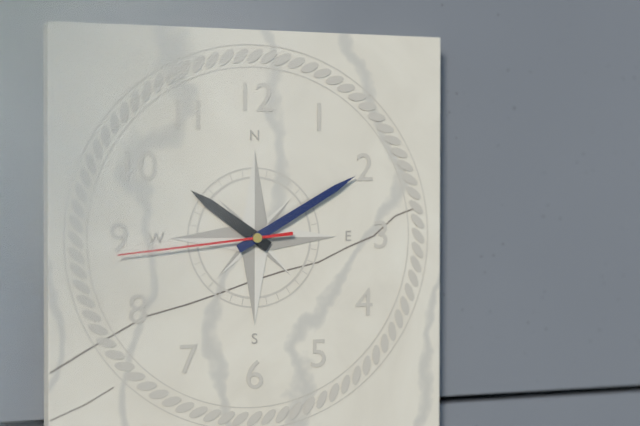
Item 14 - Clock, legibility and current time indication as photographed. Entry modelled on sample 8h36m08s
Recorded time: 10h10m44s
